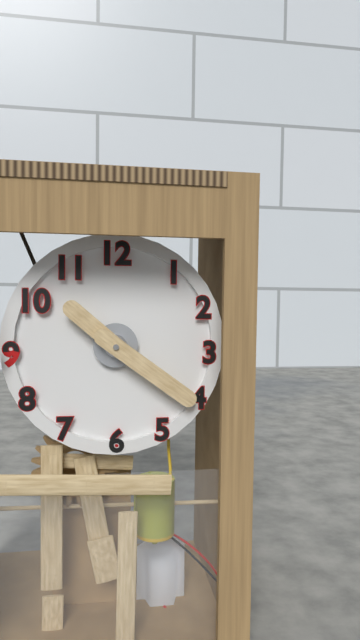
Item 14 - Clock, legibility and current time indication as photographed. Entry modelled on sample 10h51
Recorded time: 10h21
